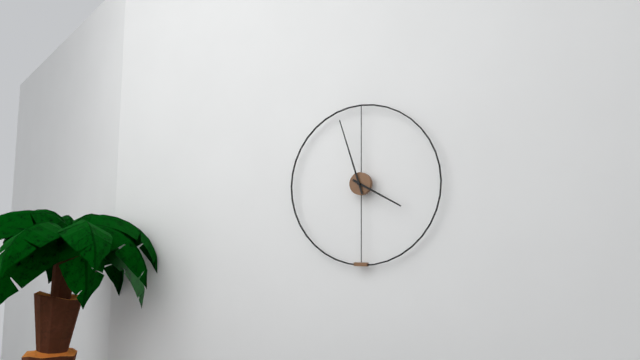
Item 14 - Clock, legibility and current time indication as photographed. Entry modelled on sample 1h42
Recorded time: 3h57
